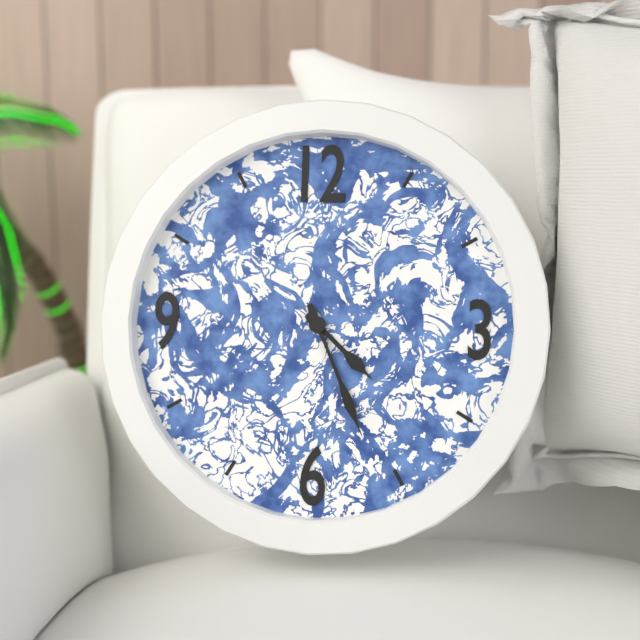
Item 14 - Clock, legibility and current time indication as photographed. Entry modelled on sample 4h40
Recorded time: 4h26
